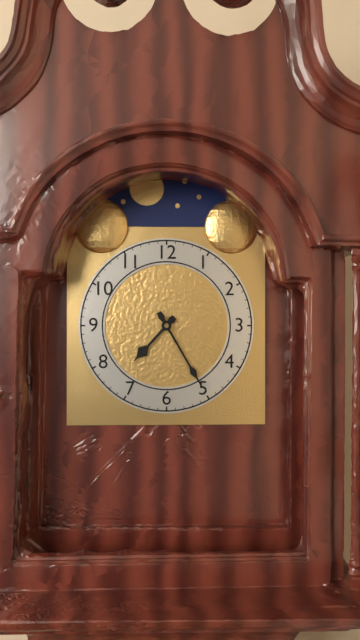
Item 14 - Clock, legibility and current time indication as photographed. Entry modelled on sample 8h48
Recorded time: 7h25
